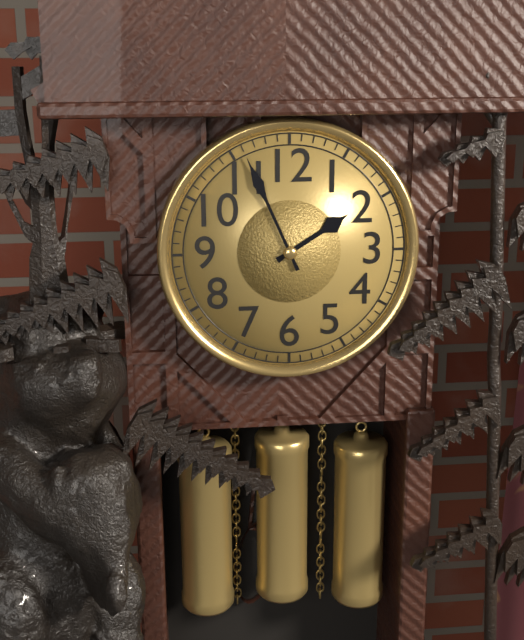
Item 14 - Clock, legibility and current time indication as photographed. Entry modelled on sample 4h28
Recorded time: 1h56
